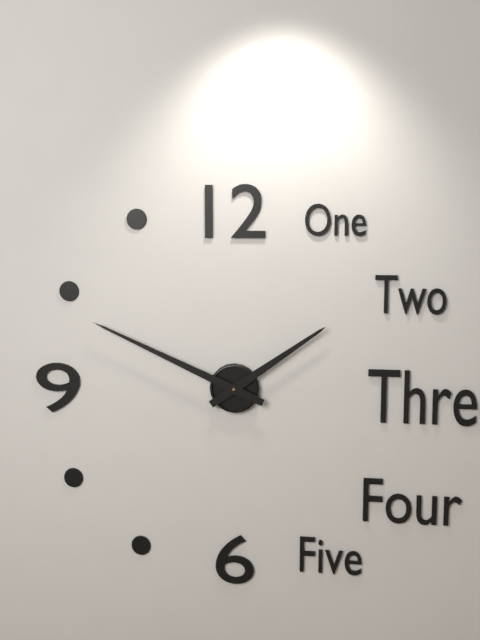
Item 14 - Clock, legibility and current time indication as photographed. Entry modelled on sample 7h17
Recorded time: 1h49
